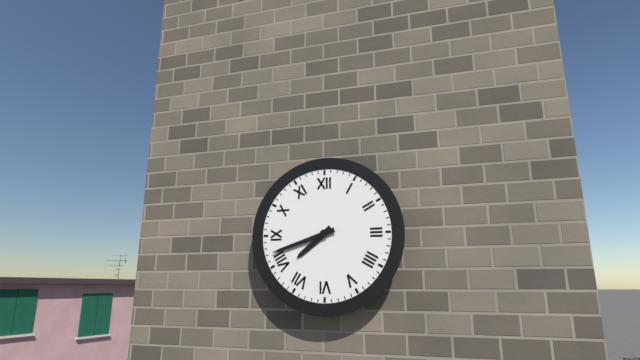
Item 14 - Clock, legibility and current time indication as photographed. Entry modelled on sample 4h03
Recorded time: 7h42
